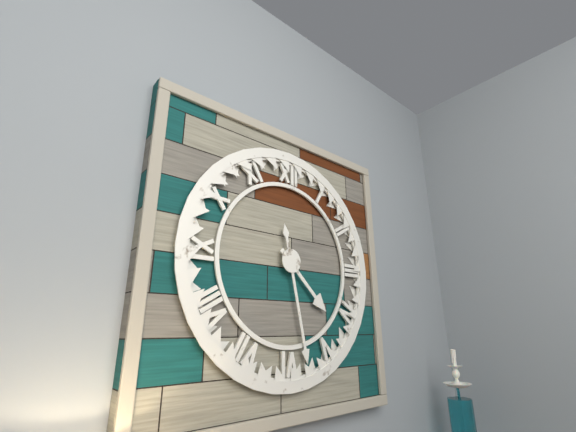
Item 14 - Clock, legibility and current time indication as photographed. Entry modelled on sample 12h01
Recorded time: 4h28
